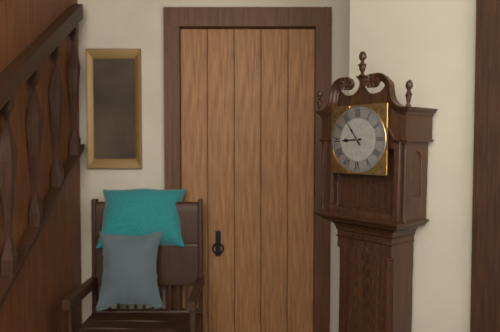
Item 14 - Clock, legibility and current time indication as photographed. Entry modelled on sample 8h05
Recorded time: 8h54
